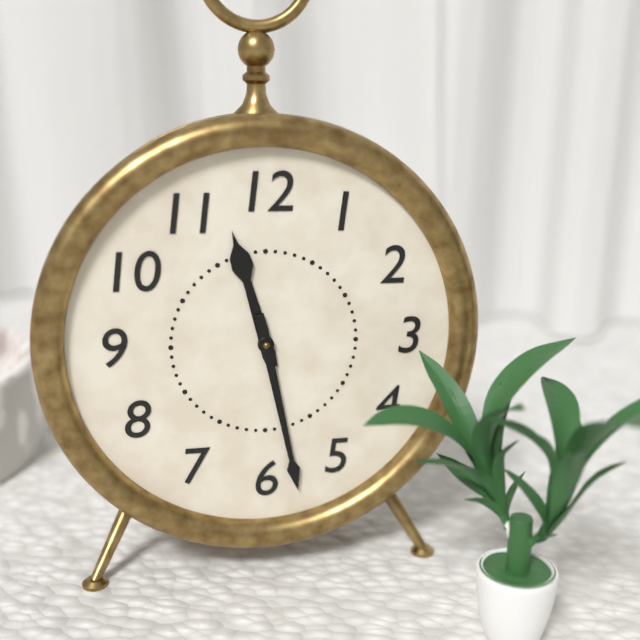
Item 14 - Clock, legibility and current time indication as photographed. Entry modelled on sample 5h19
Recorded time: 11h28
